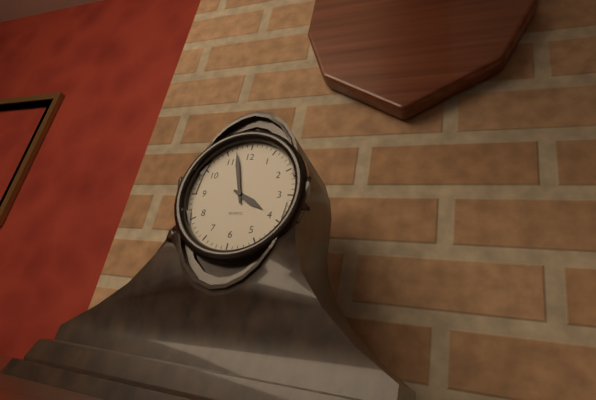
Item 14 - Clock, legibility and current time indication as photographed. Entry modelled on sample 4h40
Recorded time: 3h57
